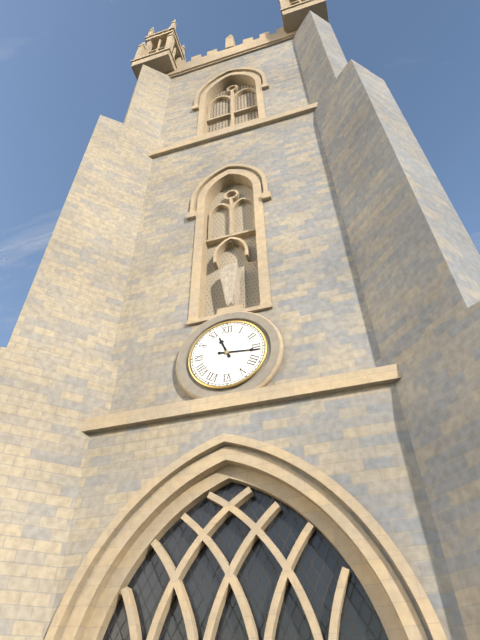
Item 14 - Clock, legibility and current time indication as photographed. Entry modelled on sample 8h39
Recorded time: 11h16
